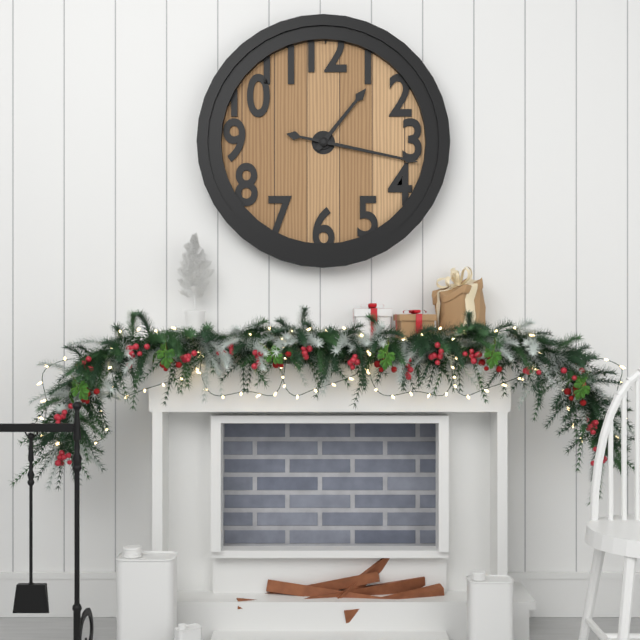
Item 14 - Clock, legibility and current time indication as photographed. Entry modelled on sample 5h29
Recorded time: 1h17
